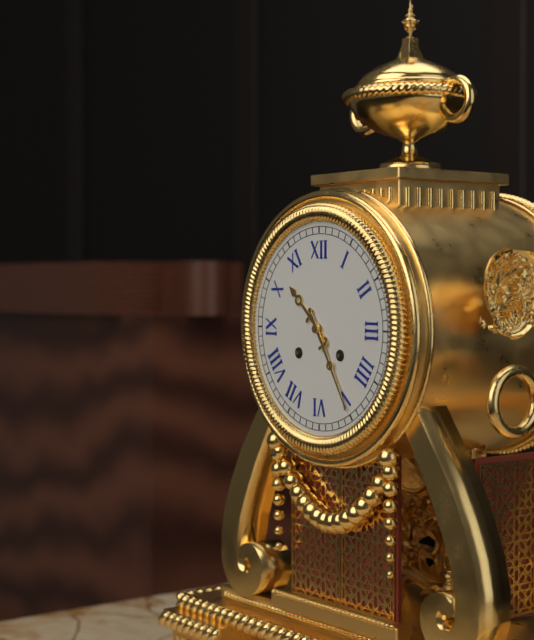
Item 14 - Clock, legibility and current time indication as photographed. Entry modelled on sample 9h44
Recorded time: 10h25
